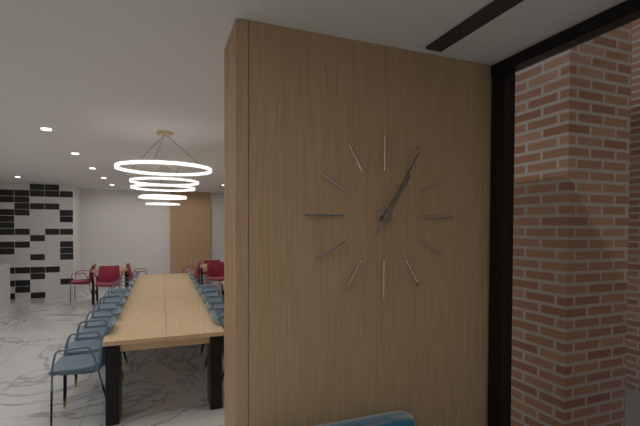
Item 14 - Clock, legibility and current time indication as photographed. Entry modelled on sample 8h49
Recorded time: 1h05
